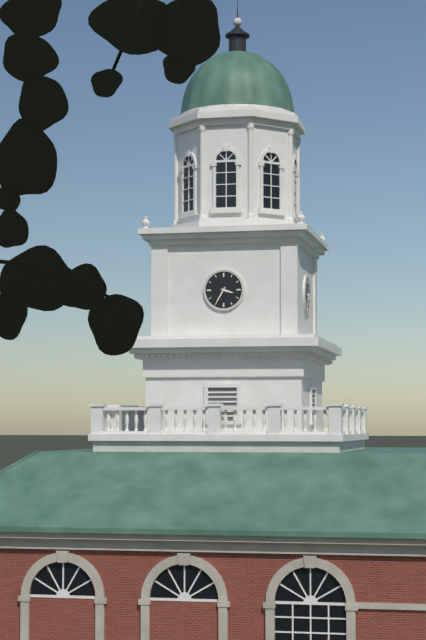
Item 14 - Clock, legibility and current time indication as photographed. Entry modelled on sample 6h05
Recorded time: 3h35
